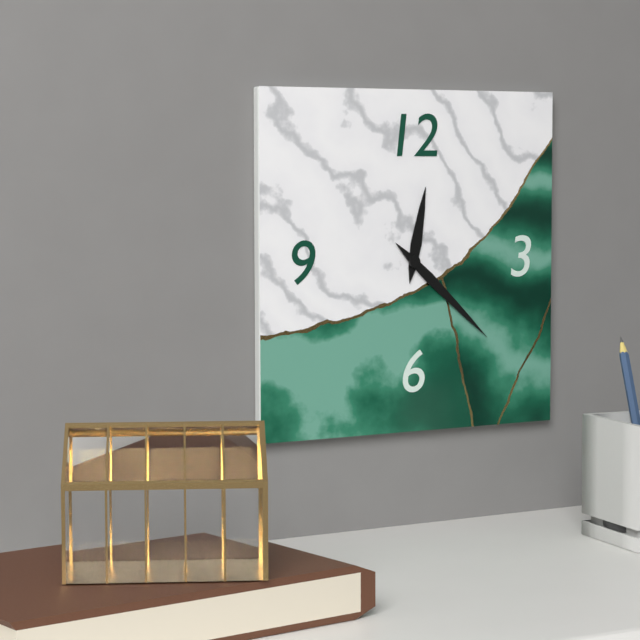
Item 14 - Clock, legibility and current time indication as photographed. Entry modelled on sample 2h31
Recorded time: 12h22
